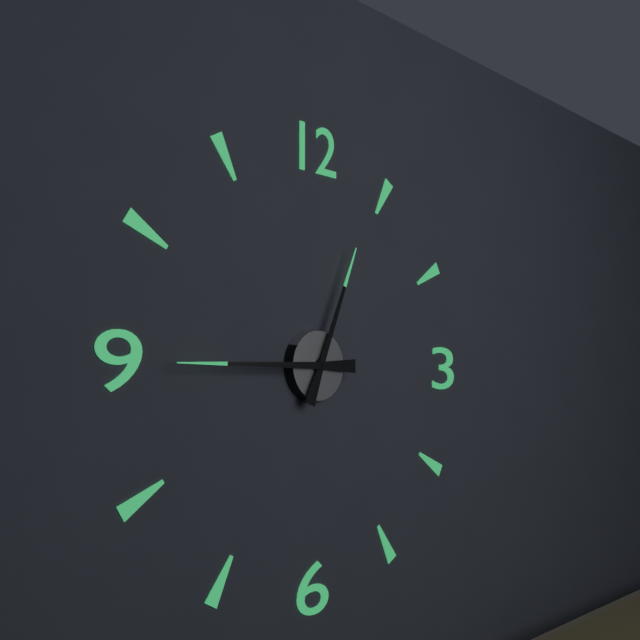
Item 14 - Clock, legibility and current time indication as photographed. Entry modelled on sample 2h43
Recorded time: 12h45
